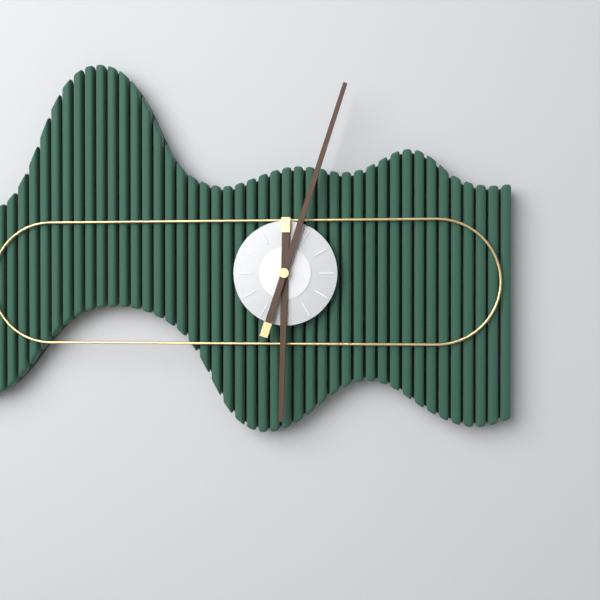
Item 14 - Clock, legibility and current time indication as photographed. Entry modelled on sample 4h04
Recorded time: 6h03
